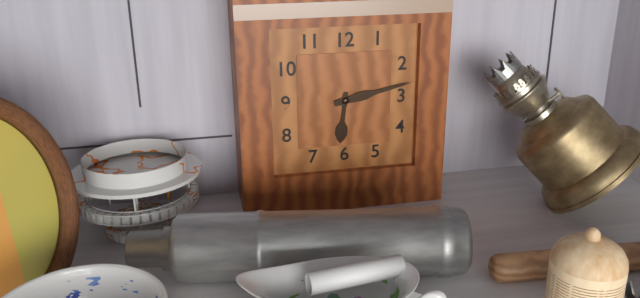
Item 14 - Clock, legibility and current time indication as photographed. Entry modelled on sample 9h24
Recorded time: 6h13
